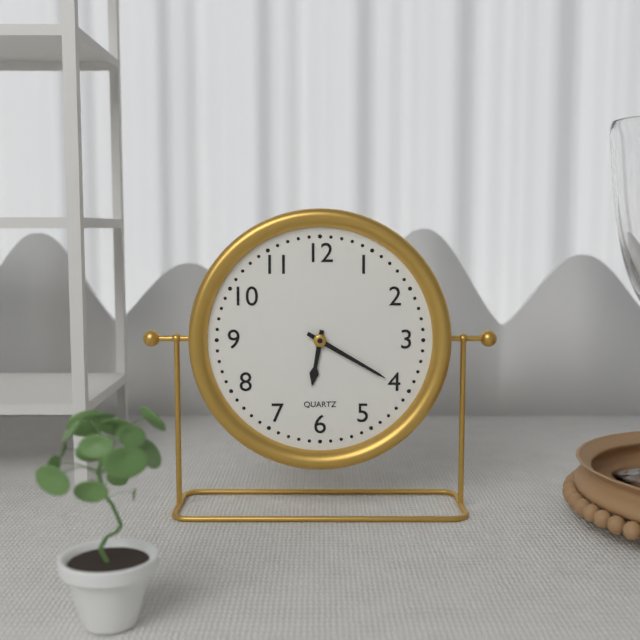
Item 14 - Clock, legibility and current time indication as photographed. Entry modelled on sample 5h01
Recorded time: 6h20
